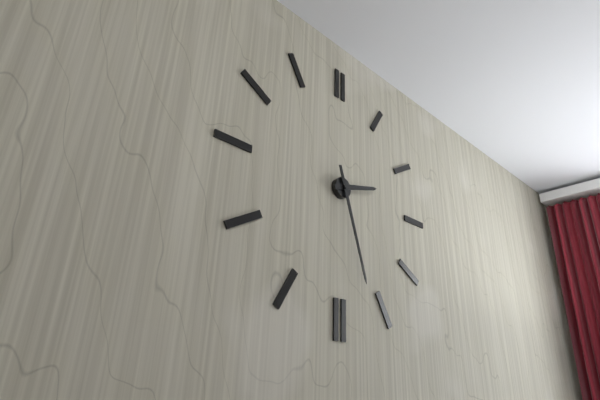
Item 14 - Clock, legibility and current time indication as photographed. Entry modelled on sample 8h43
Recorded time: 2h27
